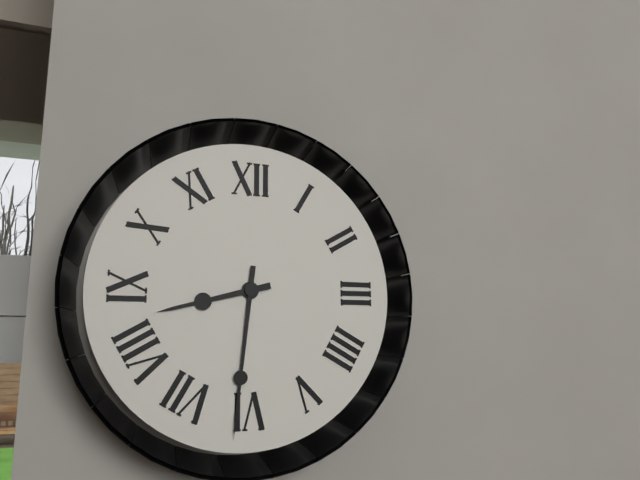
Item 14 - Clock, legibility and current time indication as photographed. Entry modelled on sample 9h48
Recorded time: 8h31
